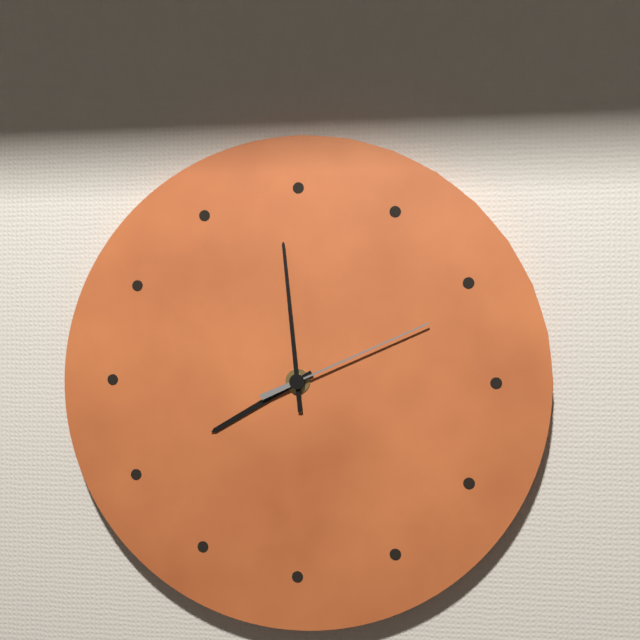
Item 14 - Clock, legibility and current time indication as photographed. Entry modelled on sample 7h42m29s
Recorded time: 7h59m11s
